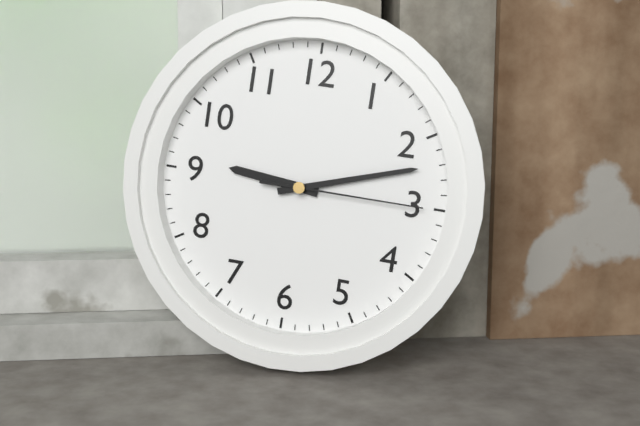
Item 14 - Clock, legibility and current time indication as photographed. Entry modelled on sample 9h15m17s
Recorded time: 9h12m15s
